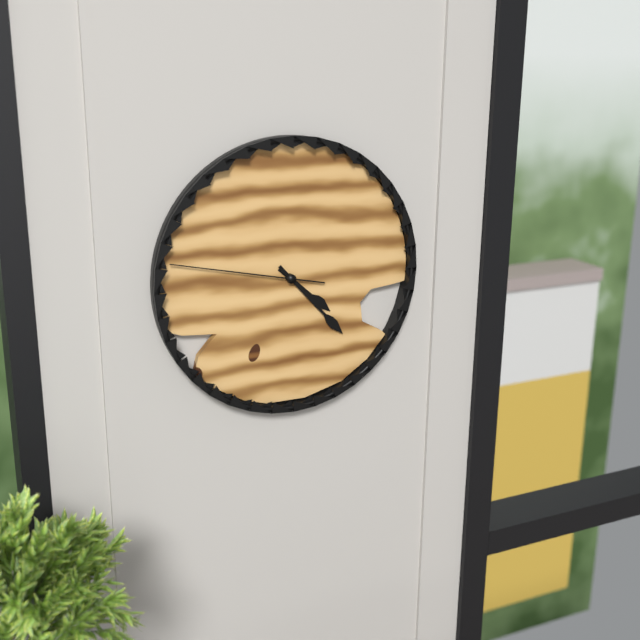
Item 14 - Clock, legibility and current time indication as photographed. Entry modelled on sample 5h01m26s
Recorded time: 4h23m47s
